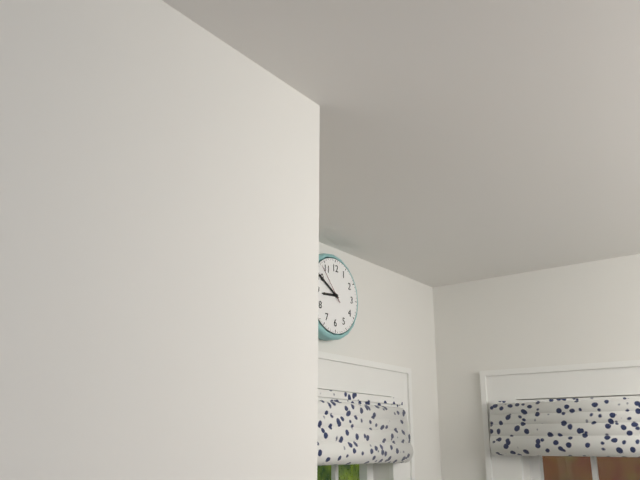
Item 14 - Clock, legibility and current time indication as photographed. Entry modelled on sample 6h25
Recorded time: 8h50
